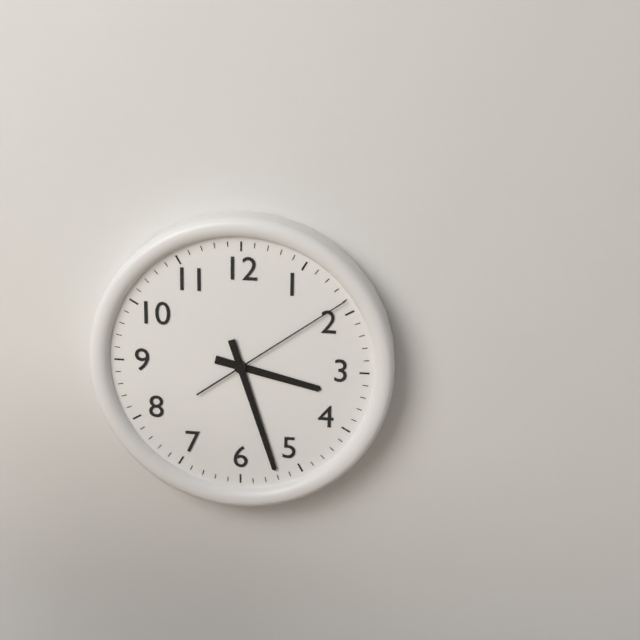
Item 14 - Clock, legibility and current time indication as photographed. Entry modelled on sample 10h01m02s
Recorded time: 3h27m09s
